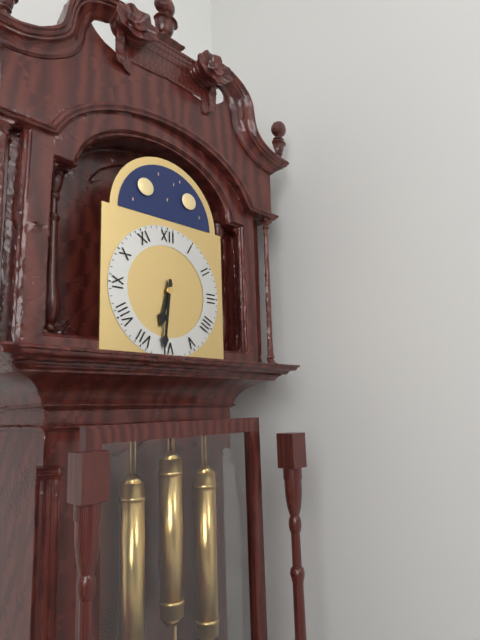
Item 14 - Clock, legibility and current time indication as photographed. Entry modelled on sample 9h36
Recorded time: 6h31
